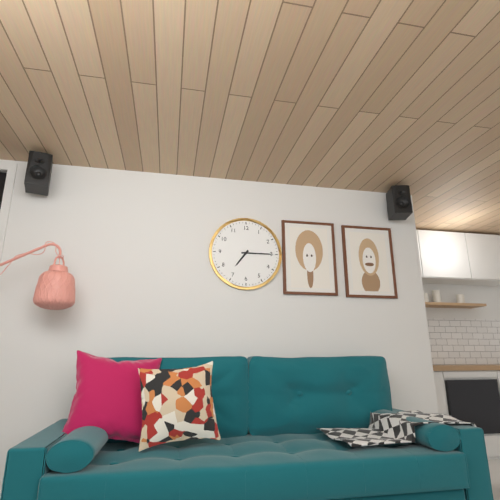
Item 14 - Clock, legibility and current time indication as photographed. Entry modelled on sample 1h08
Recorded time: 7h15
